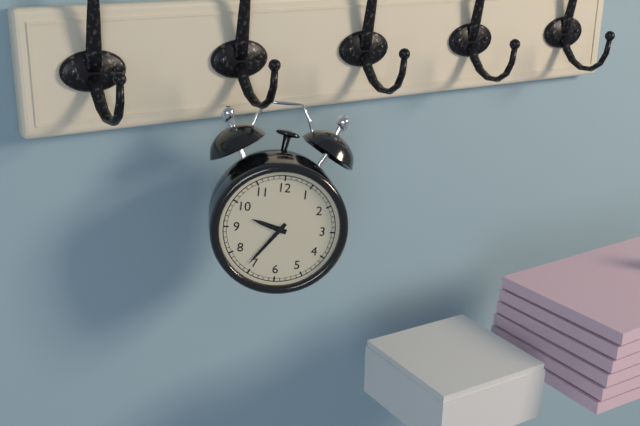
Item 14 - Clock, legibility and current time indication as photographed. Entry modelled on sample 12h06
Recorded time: 9h36
